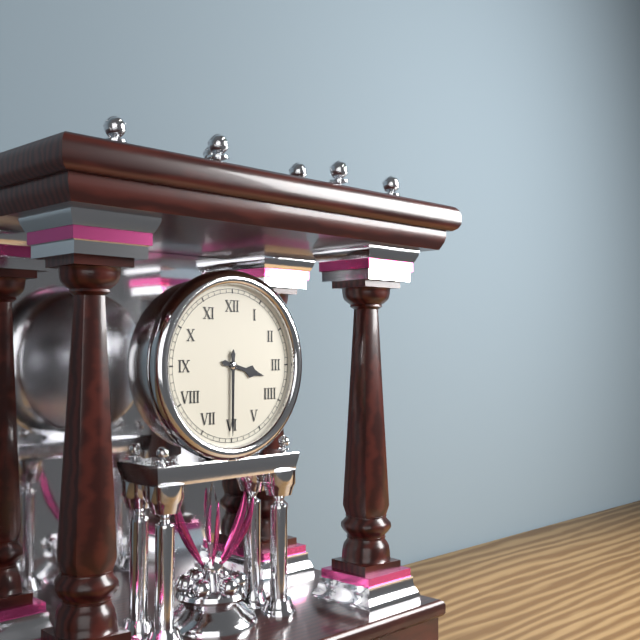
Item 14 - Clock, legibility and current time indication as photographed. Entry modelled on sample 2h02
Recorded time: 3h30
